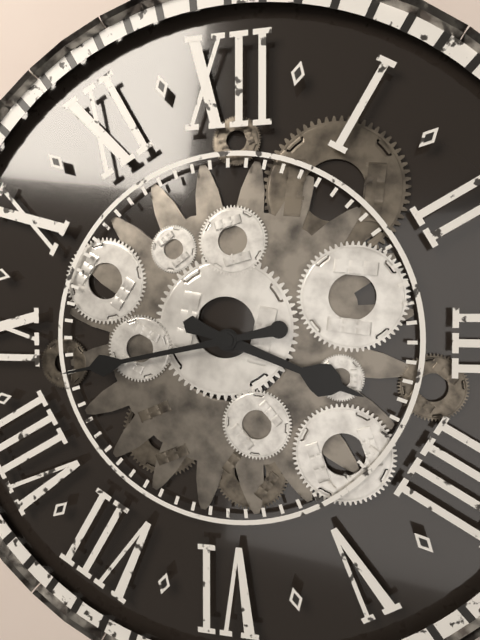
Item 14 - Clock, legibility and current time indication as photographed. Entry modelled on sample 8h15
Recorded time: 3h43
